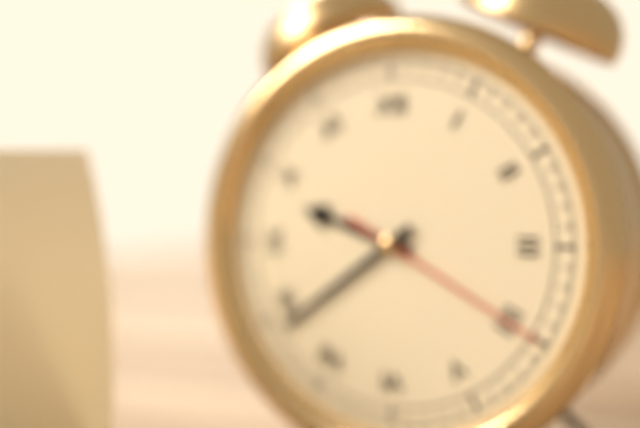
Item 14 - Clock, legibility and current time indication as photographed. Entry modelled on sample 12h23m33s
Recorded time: 9h39m20s
